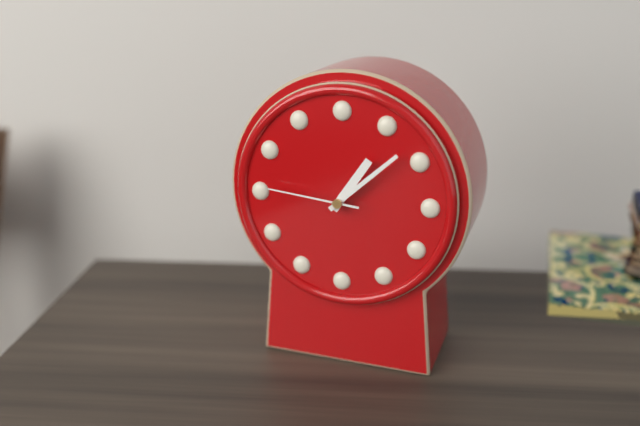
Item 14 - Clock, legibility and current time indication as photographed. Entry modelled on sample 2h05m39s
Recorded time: 1h08m46s
